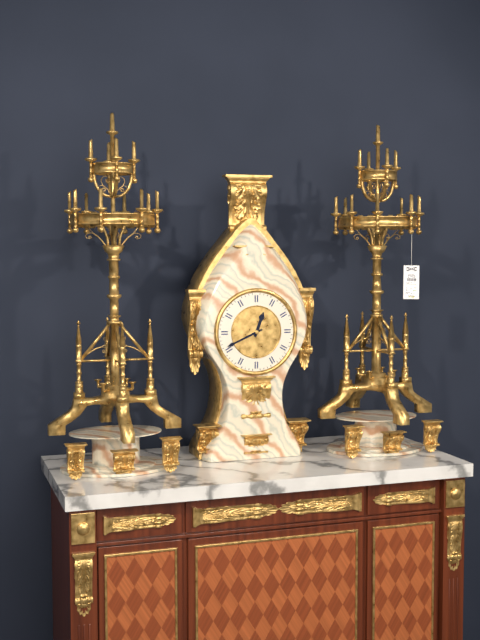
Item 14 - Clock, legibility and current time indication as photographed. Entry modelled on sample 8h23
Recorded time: 12h41
